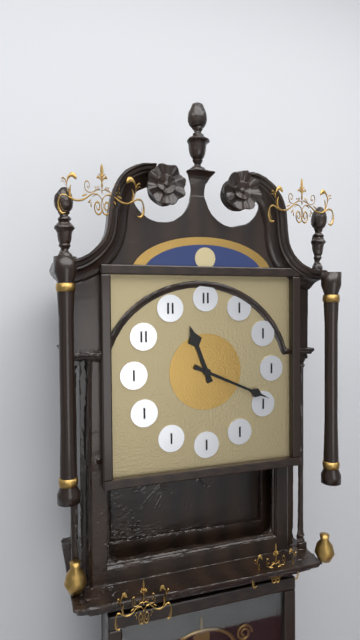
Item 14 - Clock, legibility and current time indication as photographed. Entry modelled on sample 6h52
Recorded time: 11h19
